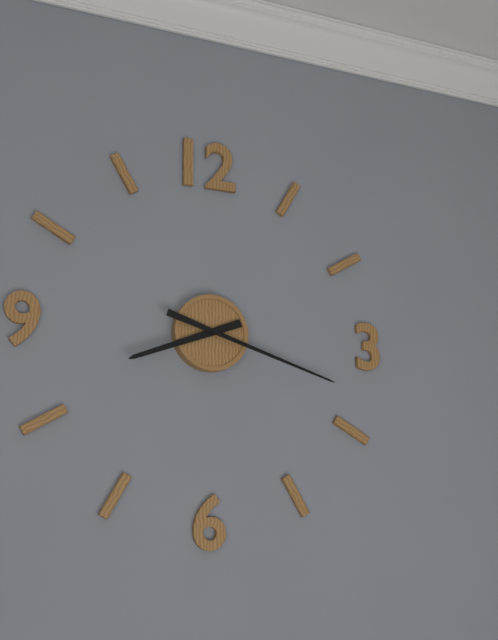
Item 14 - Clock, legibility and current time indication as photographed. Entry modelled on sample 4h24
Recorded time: 8h18
